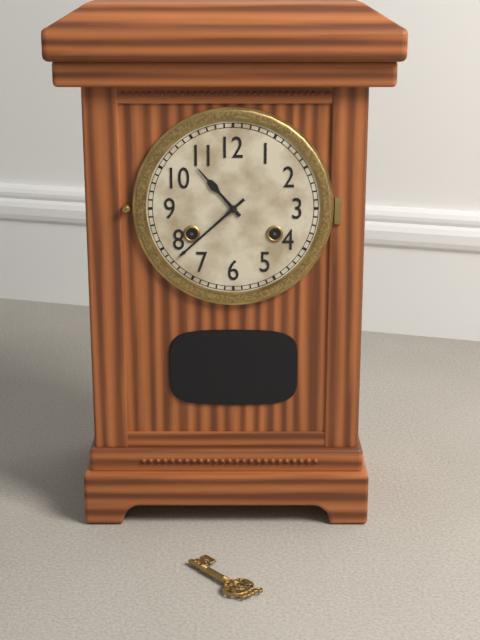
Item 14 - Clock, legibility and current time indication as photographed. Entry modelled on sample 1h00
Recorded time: 10h38
